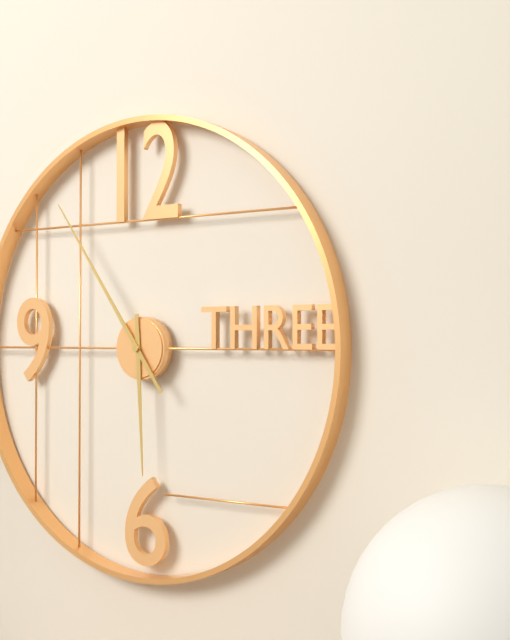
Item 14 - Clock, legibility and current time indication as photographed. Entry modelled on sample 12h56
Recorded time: 5h54
